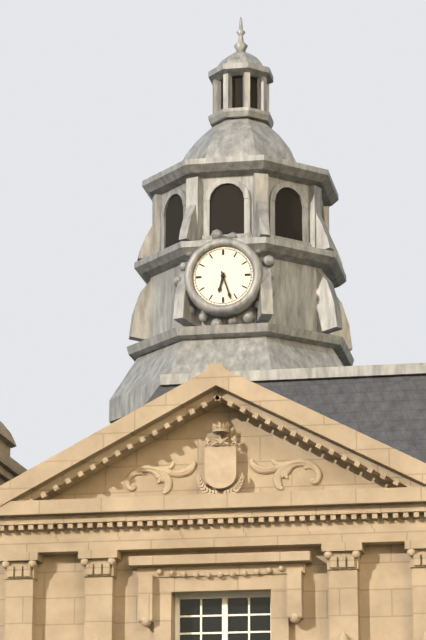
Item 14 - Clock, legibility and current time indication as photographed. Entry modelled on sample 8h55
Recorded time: 6h27
